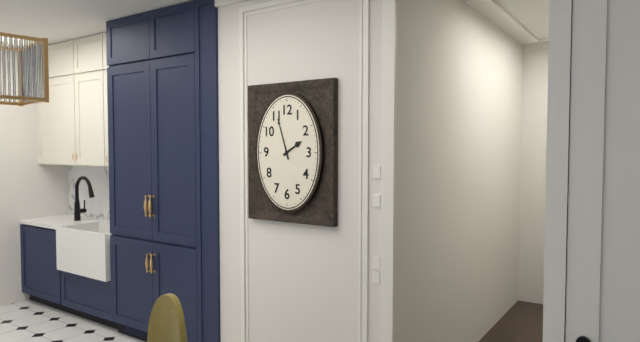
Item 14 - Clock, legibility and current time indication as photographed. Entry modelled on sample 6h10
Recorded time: 1h57
